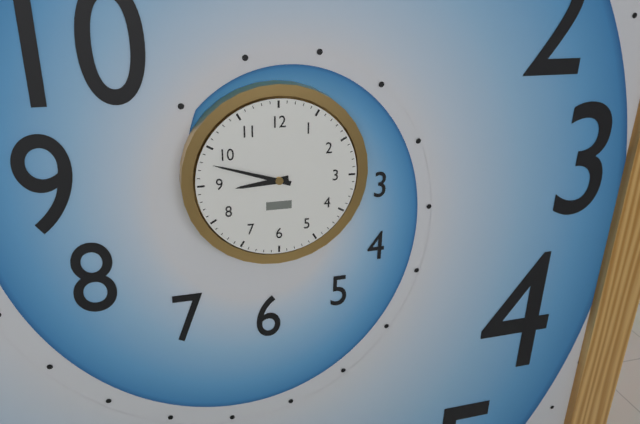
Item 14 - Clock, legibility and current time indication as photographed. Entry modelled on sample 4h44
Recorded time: 8h48
